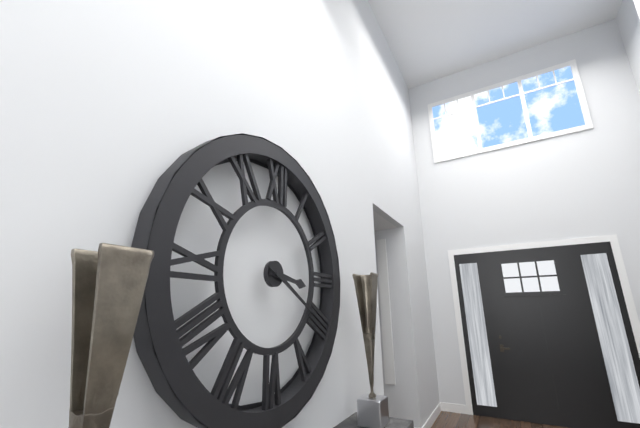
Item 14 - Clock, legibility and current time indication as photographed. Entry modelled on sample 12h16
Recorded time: 3h20
